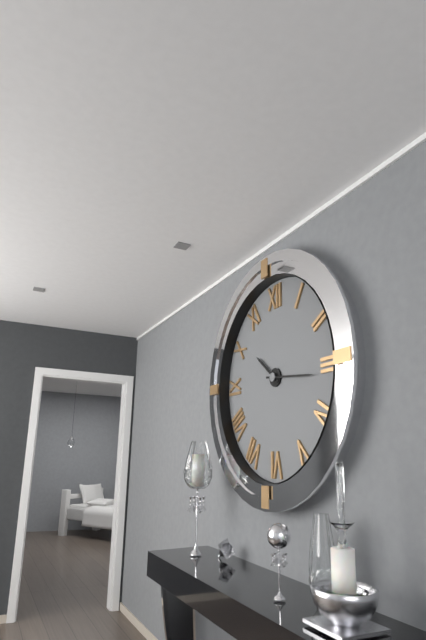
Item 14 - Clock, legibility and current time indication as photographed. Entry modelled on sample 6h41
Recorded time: 10h16
